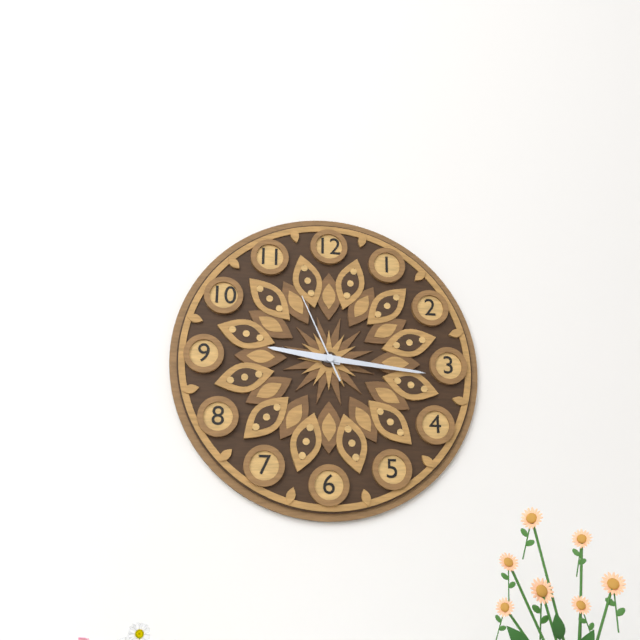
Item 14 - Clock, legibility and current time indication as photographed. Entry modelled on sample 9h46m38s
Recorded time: 9h16m56s
